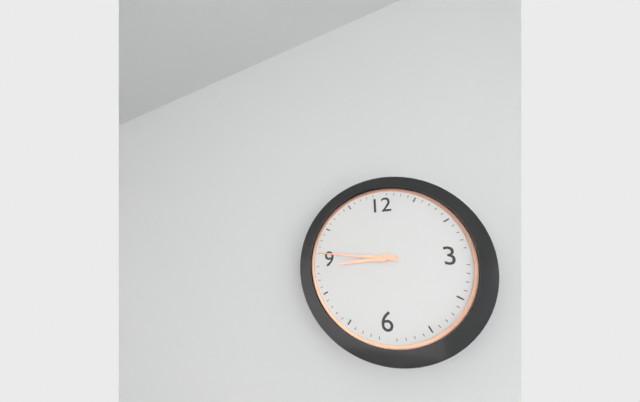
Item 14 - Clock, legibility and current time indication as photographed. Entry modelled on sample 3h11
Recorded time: 8h46
